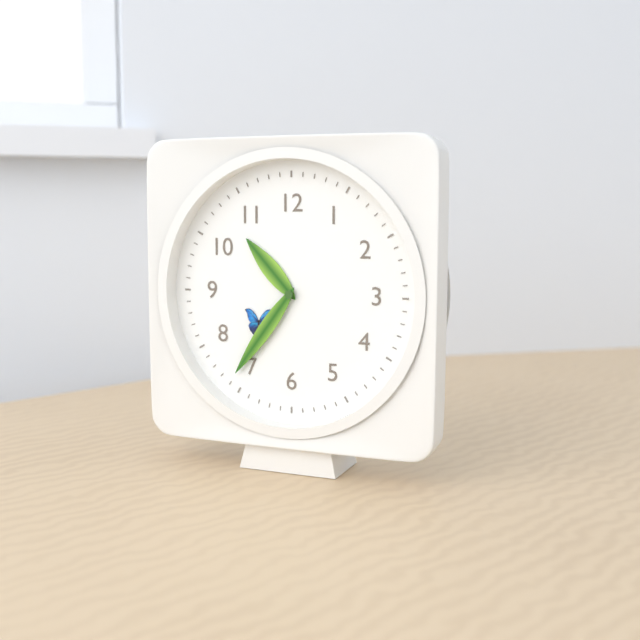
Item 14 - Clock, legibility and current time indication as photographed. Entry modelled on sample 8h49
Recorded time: 10h36
